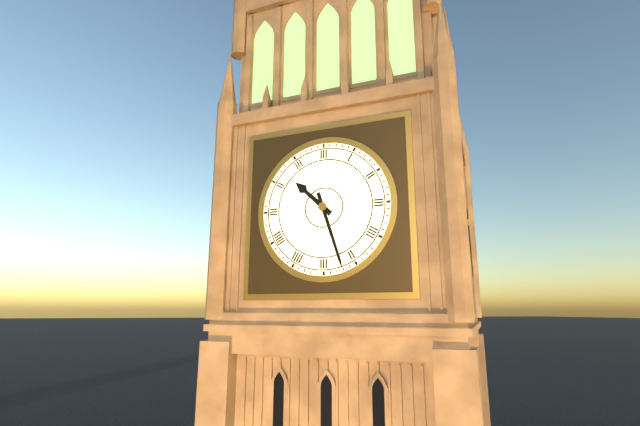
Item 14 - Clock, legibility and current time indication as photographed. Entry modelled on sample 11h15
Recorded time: 10h27
